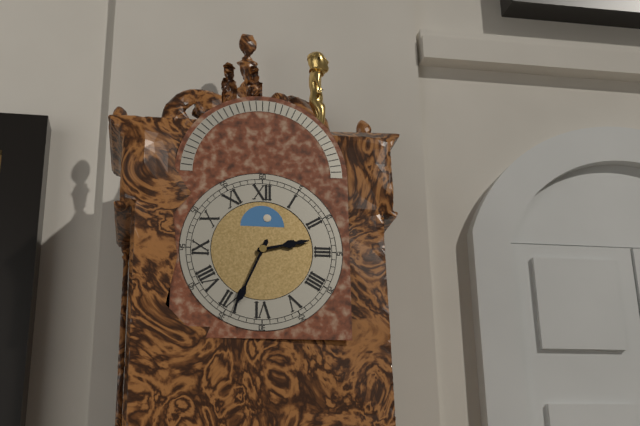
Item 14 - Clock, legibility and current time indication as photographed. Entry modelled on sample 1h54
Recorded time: 2h34
